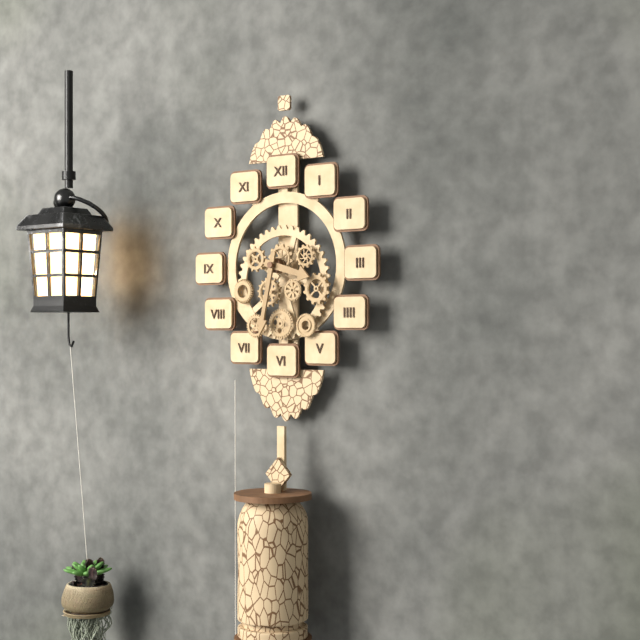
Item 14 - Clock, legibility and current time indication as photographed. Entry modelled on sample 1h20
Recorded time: 3h32
